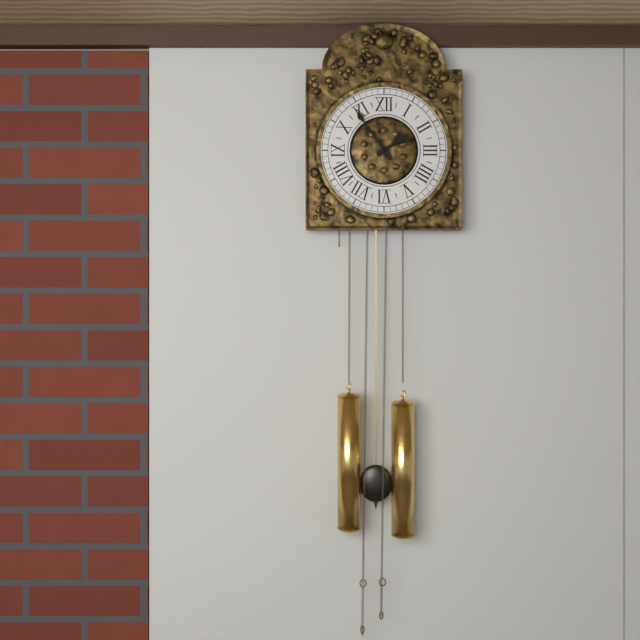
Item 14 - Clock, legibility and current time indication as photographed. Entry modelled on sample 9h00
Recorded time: 1h54
